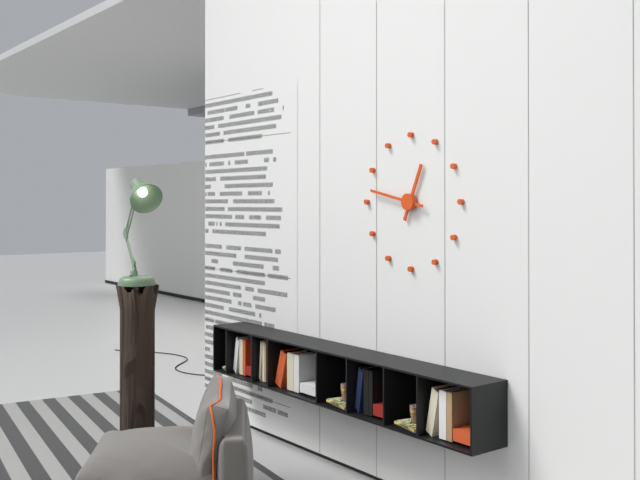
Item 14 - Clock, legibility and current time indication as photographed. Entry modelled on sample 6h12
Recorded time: 12h47
